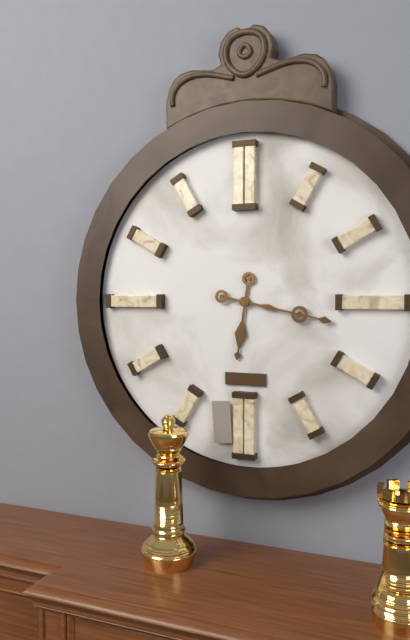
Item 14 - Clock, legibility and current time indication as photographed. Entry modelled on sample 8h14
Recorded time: 6h17
